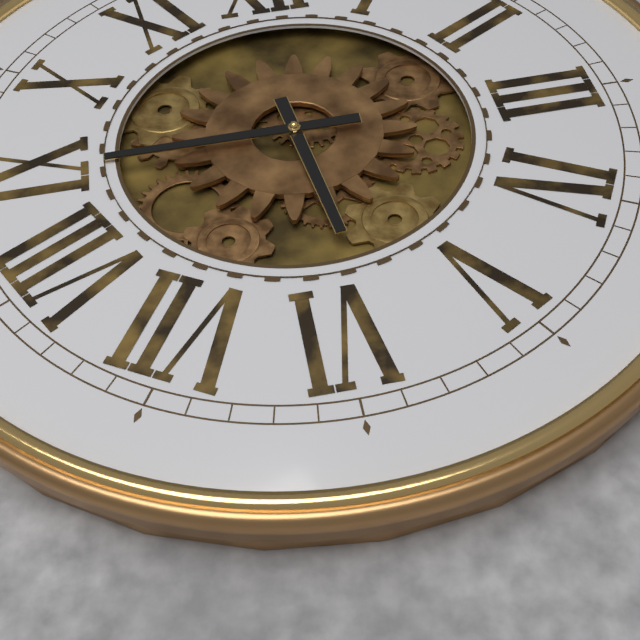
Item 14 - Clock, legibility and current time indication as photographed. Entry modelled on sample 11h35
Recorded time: 5h45
